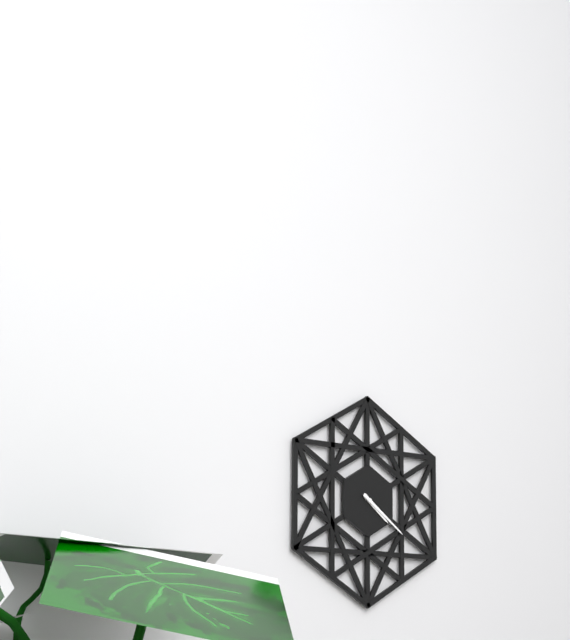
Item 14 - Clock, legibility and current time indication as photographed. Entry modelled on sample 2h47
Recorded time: 4h21
